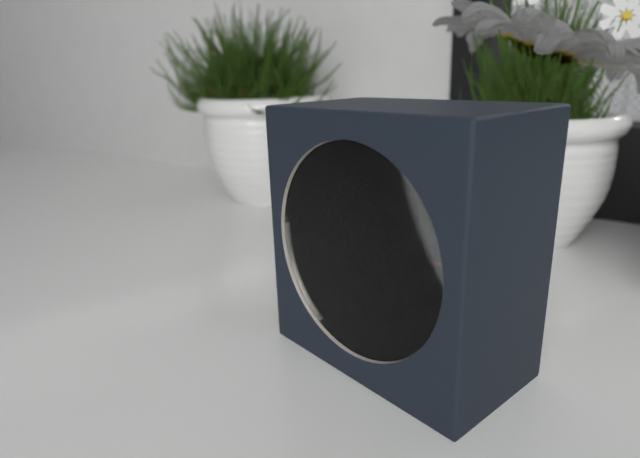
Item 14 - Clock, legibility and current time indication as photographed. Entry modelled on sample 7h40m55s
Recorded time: 6h51m14s
